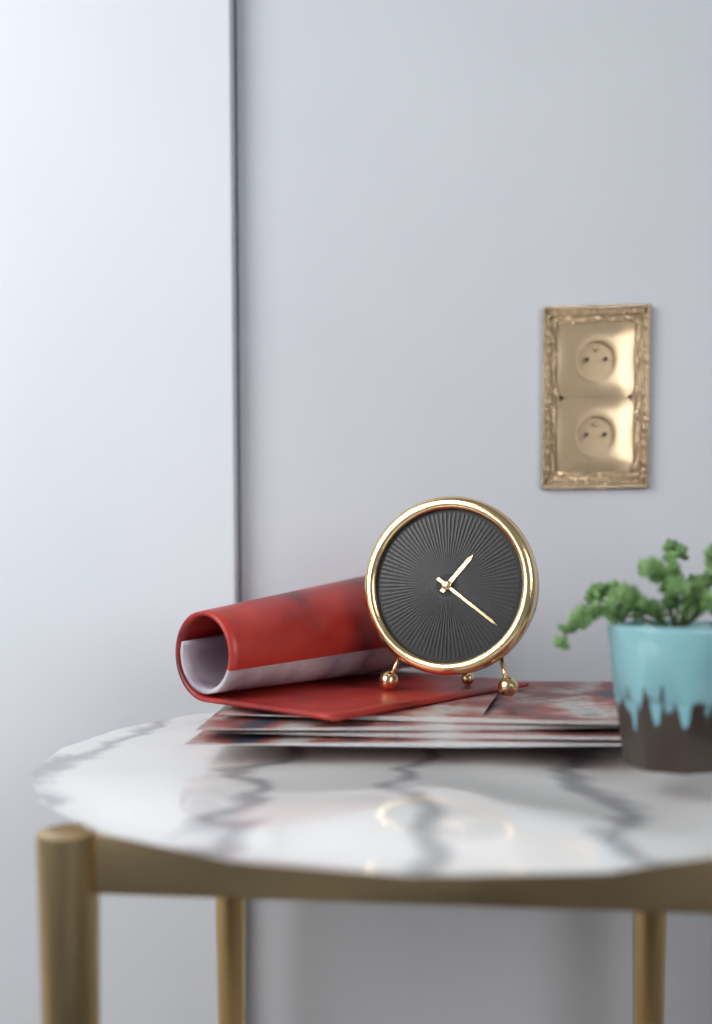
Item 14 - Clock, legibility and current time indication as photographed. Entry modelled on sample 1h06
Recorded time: 1h21
